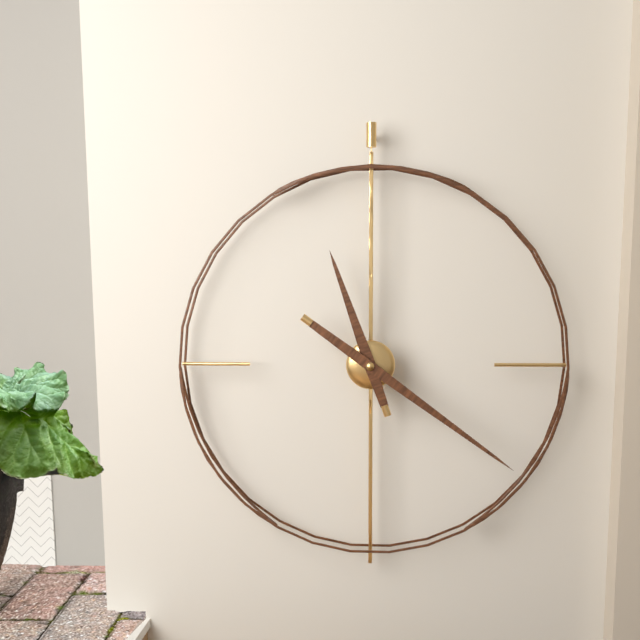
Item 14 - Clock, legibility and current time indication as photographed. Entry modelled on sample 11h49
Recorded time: 11h21
